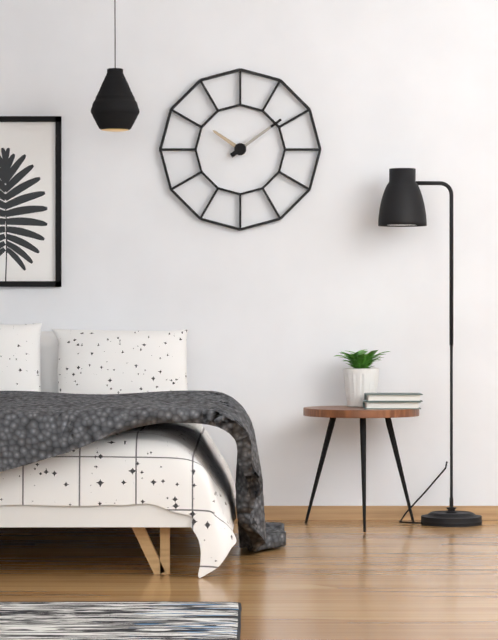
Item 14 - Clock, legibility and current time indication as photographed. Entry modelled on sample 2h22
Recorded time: 10h09
